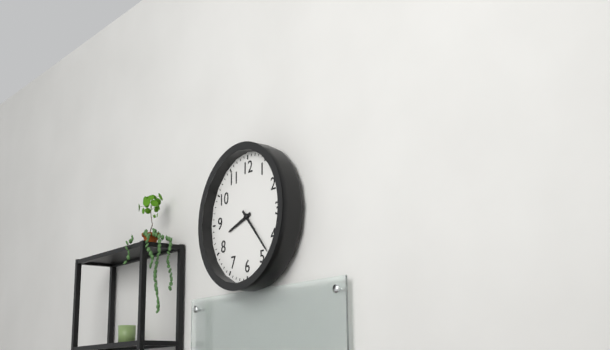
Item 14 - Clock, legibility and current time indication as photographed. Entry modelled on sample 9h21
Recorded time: 8h23
